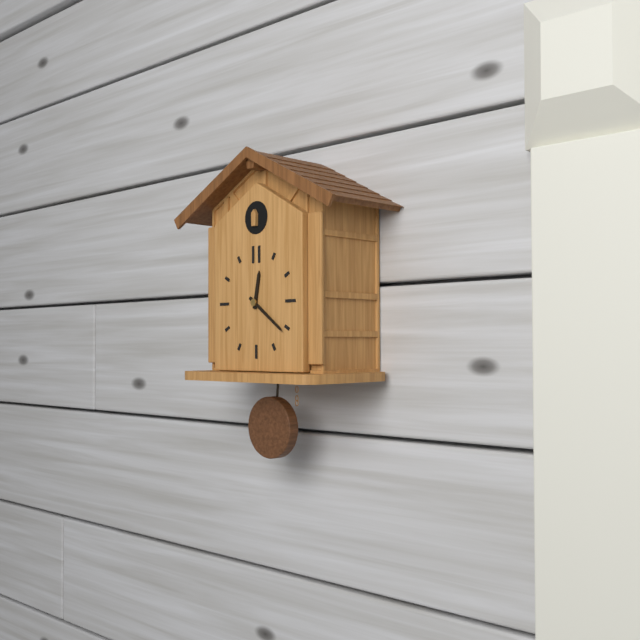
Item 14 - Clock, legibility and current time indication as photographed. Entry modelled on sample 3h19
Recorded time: 12h21
